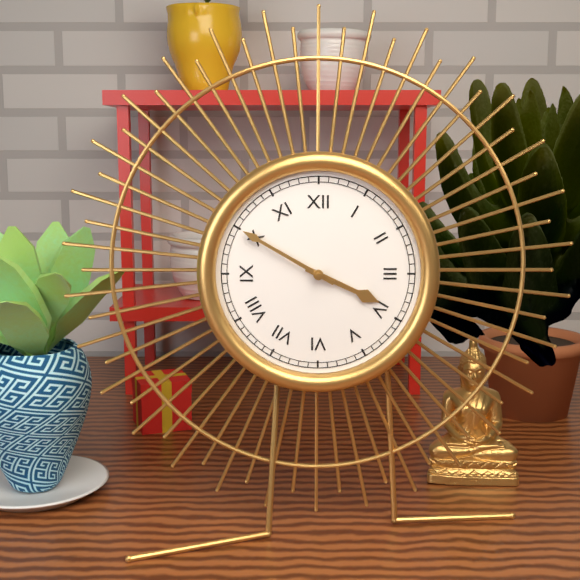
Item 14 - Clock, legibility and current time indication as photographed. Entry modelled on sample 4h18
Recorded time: 3h50
